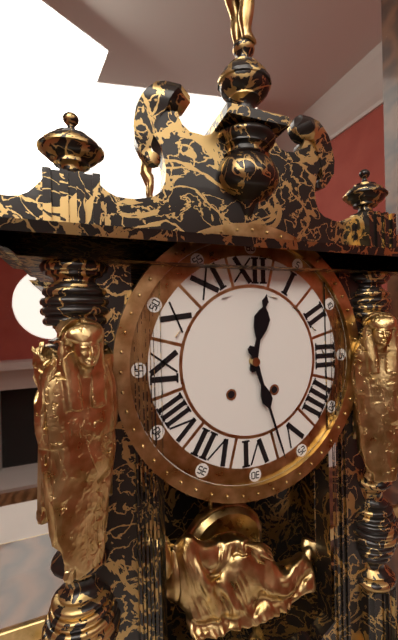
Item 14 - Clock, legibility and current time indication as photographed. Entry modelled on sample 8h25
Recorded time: 12h27
